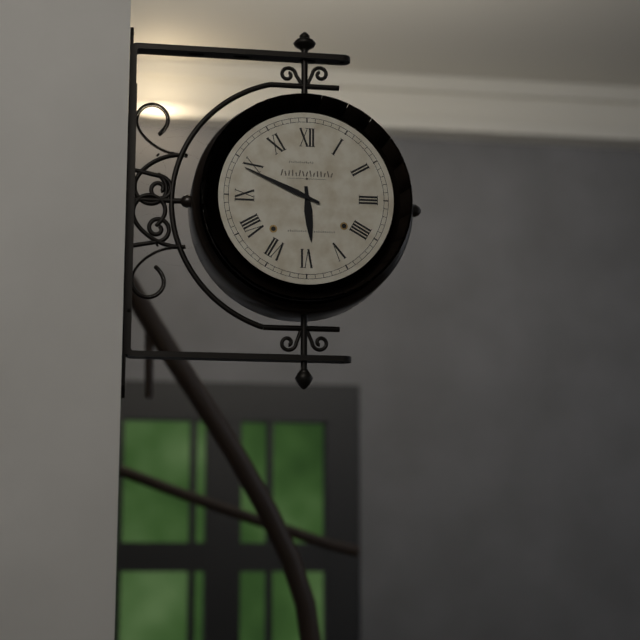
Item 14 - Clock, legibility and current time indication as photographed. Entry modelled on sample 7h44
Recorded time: 5h49
